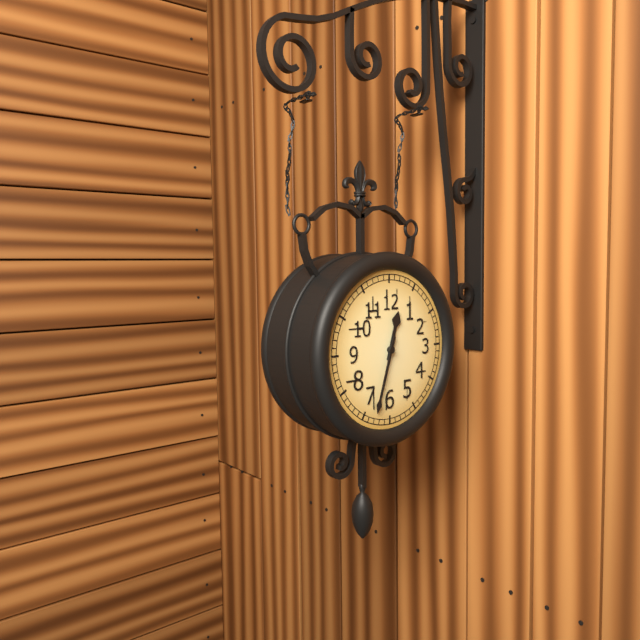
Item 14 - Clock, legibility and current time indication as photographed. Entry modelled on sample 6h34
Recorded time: 12h33
